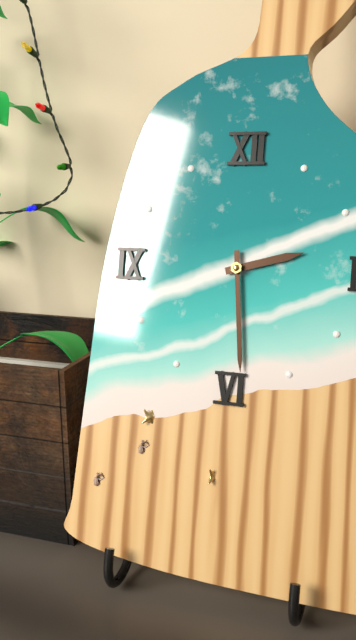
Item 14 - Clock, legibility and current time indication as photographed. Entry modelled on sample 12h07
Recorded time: 2h29
